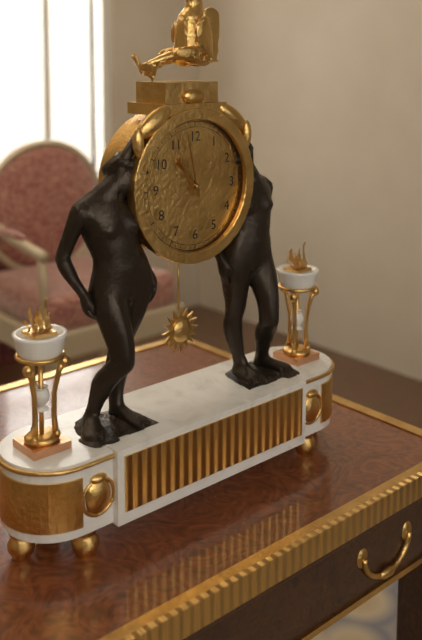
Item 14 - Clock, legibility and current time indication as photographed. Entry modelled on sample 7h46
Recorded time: 10h58
